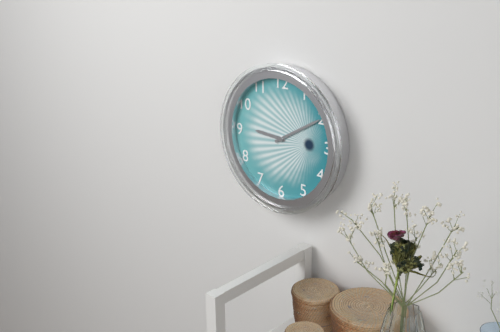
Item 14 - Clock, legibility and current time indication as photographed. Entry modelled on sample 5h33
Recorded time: 9h10
